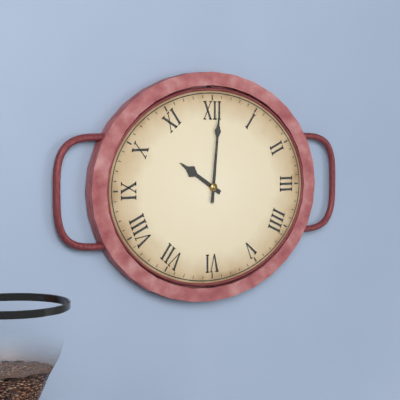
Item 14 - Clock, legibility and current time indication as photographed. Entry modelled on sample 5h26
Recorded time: 10h01
